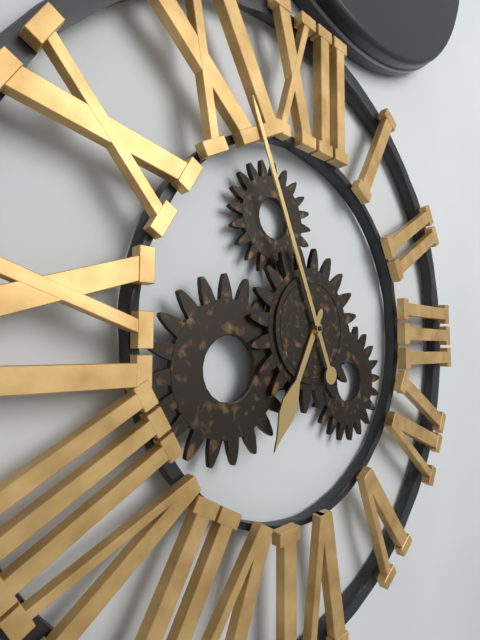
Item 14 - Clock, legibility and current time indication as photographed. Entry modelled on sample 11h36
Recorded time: 6h56
